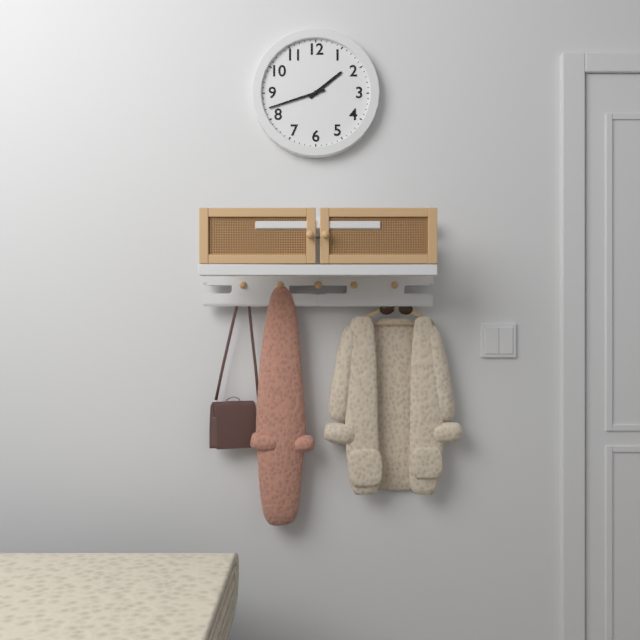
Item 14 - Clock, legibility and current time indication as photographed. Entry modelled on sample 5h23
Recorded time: 1h42
